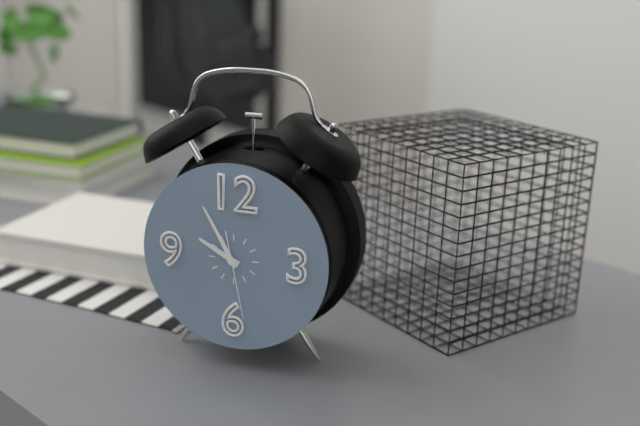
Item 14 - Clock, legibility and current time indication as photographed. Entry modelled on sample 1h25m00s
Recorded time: 9h55m28s
